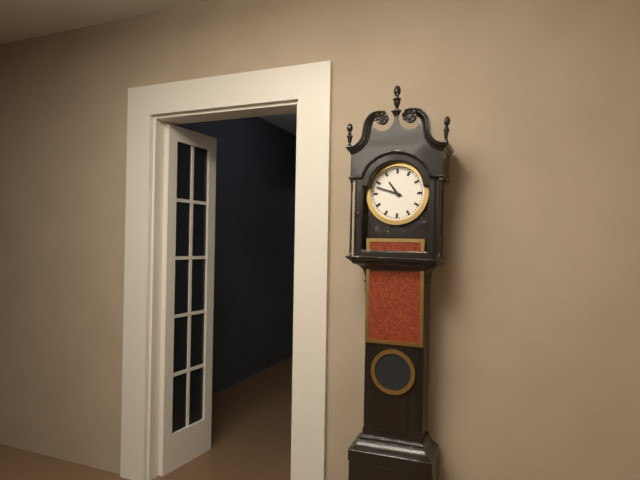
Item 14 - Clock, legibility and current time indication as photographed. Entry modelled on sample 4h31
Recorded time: 10h48
